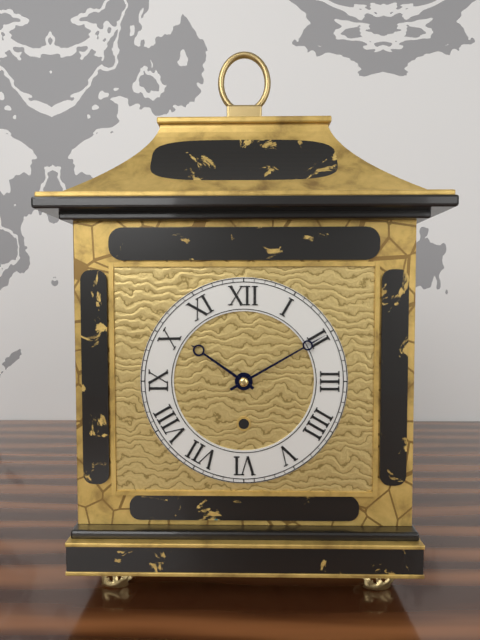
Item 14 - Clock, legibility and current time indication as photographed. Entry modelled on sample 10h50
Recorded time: 10h10
